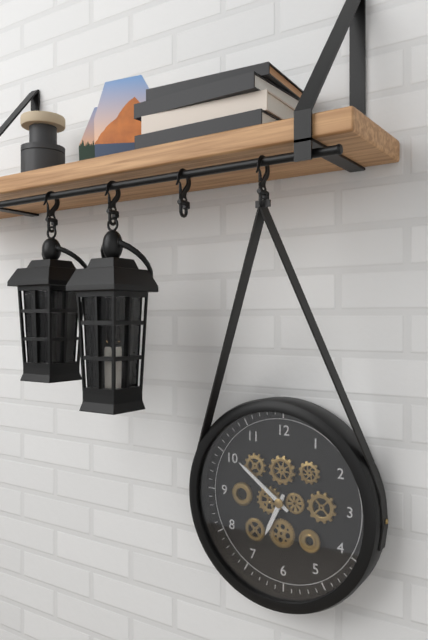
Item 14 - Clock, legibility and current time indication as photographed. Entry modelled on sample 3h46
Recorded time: 6h51
